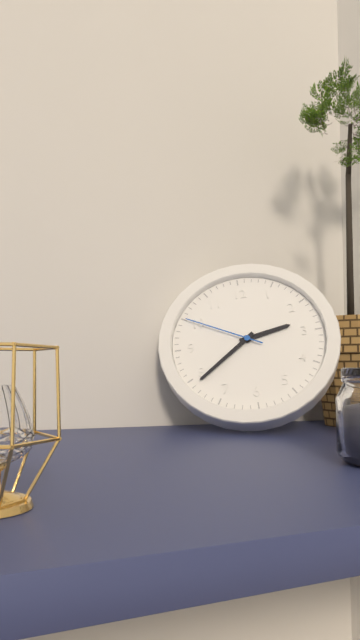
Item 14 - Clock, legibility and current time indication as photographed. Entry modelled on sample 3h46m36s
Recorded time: 2h39m50s
